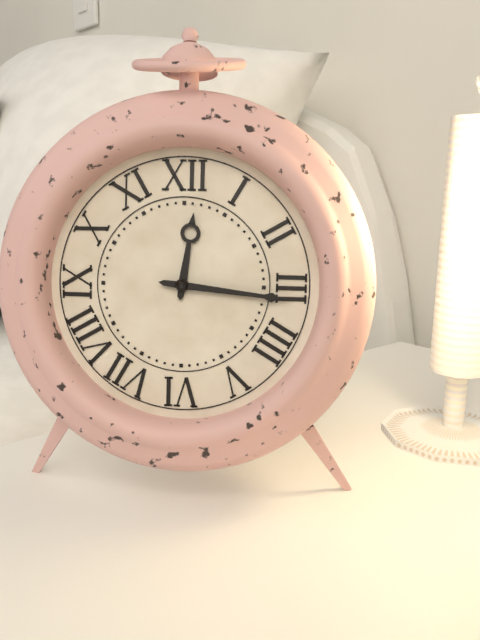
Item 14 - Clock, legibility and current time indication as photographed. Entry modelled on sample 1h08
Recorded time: 12h16
